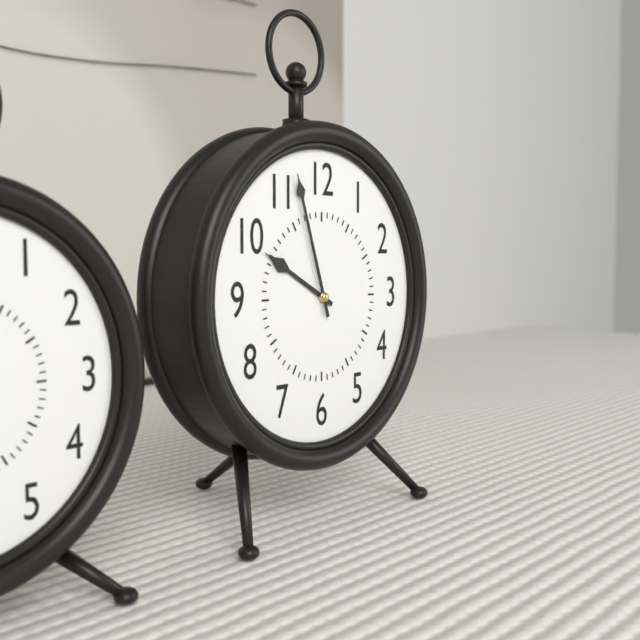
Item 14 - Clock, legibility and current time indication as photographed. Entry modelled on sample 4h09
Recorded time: 9h57
